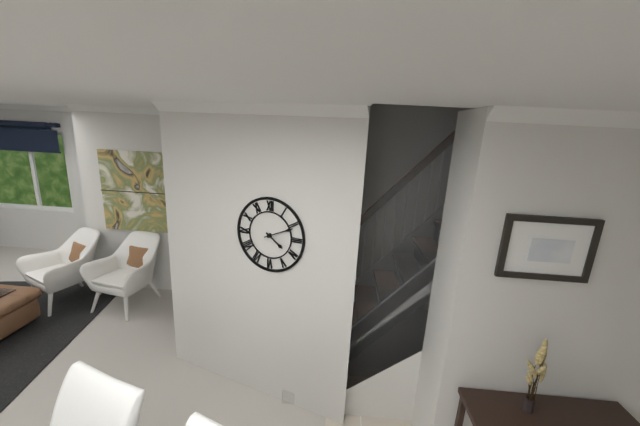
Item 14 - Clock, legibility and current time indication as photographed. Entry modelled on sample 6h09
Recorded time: 4h11
